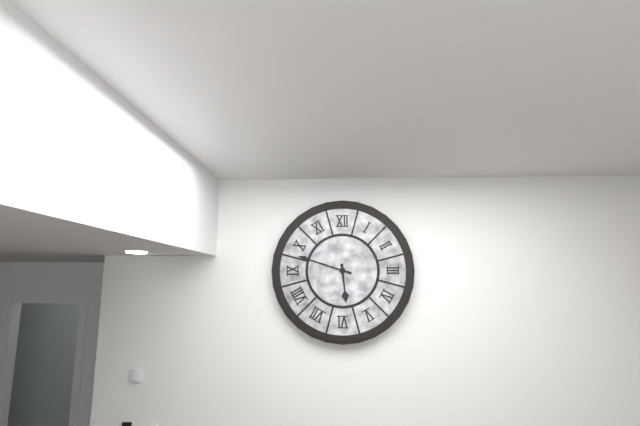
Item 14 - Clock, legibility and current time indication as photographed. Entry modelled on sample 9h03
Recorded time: 5h48
